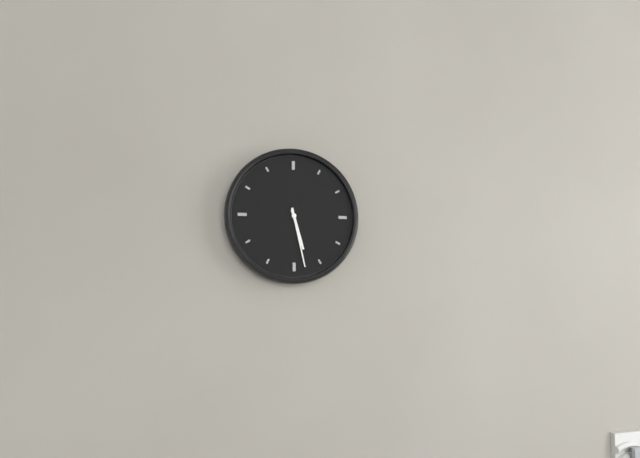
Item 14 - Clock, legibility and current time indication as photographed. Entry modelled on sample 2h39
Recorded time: 5h28
